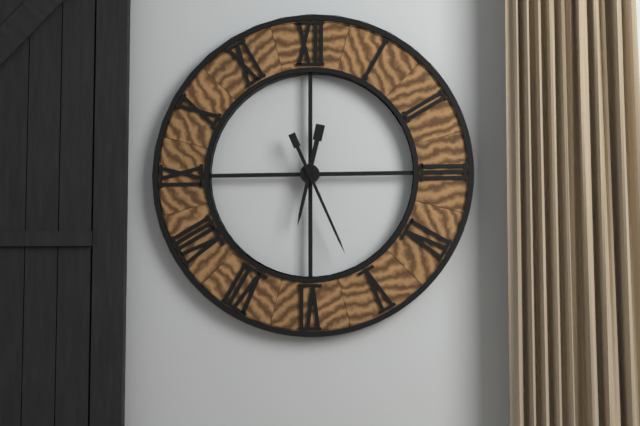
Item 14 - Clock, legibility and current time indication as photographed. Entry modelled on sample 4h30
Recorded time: 6h26
